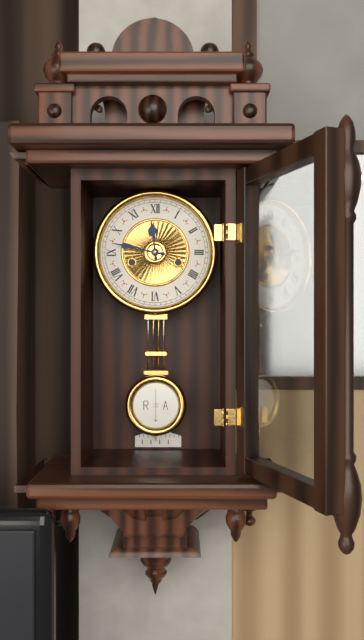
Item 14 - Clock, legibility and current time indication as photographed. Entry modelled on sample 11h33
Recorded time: 11h47
